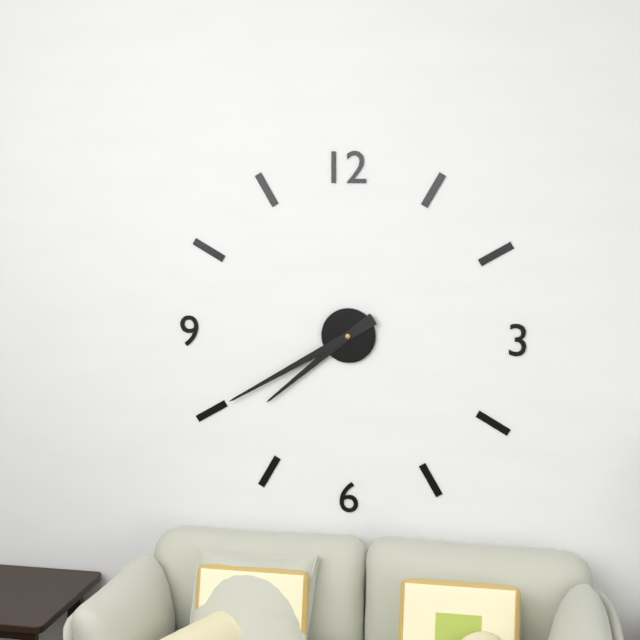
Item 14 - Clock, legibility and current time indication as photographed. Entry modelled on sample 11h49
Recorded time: 7h40
